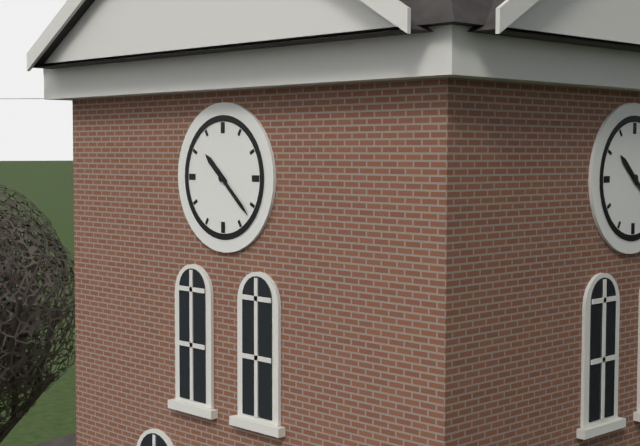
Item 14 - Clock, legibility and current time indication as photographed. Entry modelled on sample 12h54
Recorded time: 10h22
